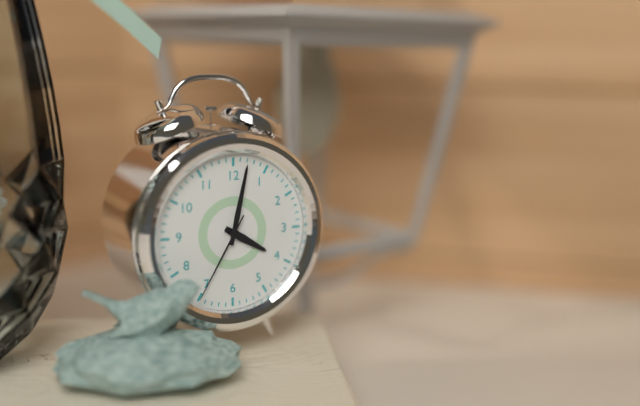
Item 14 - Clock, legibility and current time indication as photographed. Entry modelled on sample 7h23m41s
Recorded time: 4h02m35s
